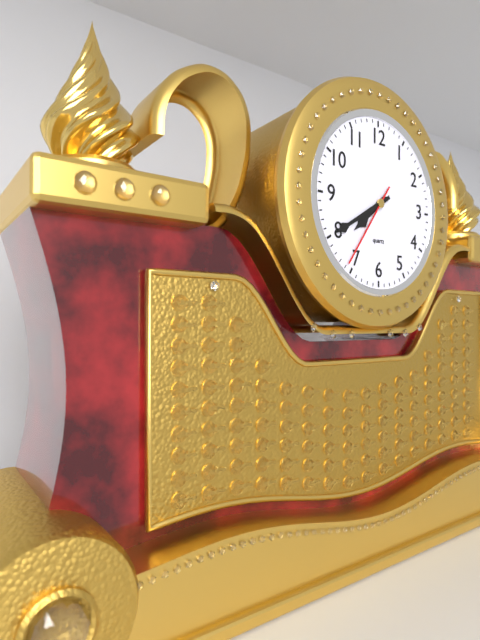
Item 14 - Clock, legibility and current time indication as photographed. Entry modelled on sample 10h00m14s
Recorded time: 7h40m36s
